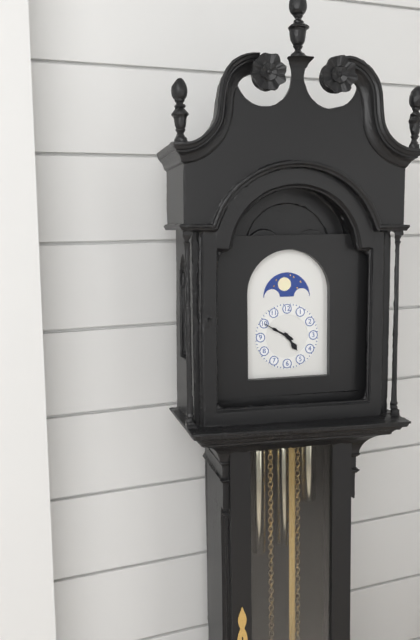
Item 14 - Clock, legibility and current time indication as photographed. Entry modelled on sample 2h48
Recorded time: 4h50
